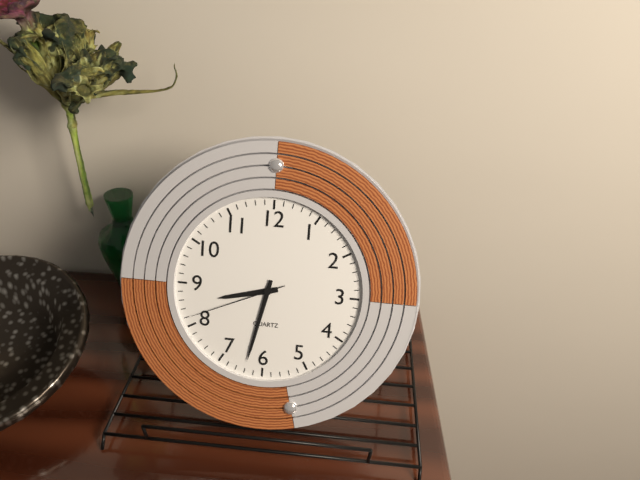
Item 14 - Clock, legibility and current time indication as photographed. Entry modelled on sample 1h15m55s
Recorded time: 8h32m41s
